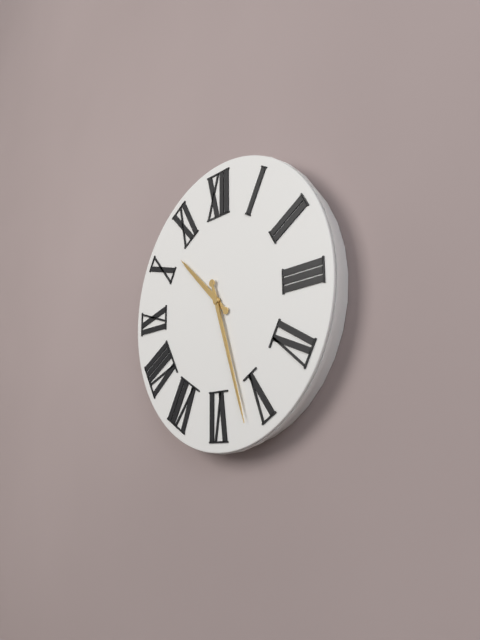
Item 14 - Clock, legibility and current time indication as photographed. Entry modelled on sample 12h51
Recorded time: 10h27
